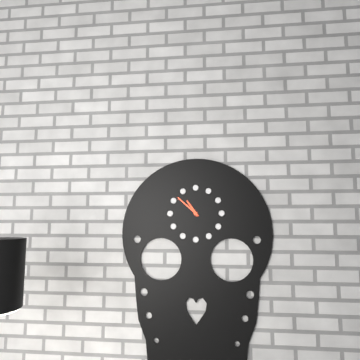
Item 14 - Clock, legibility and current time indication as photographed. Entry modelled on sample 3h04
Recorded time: 10h52
